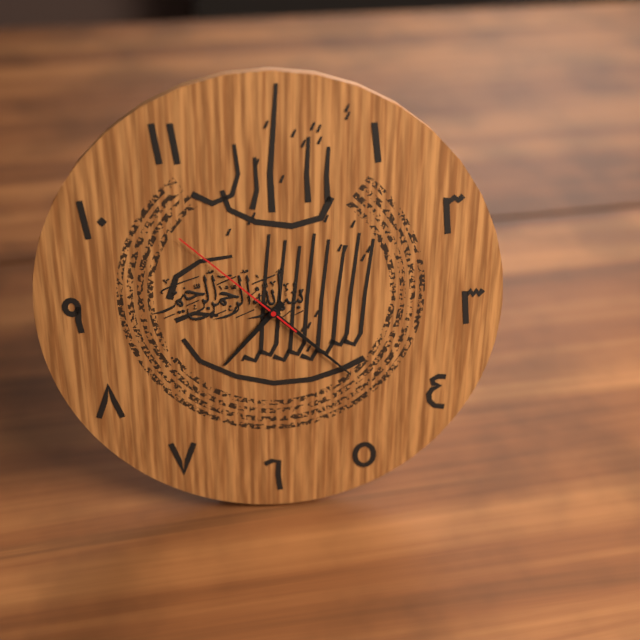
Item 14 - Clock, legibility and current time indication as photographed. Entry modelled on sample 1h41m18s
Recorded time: 7h22m52s
